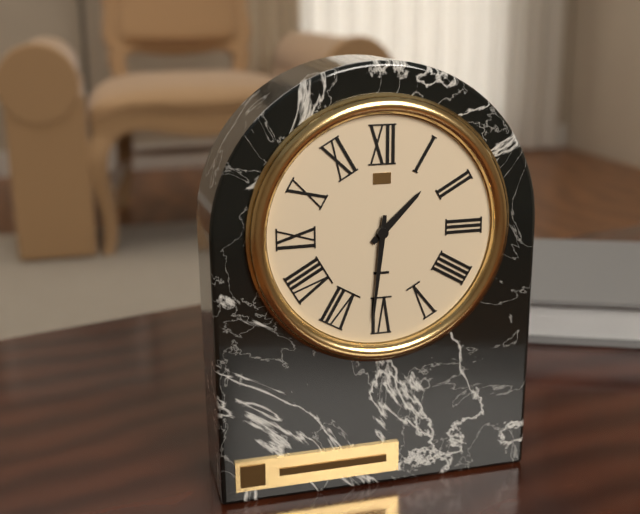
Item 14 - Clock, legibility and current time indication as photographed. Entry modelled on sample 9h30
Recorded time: 1h31
